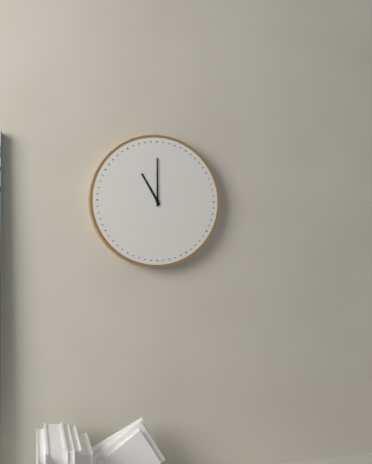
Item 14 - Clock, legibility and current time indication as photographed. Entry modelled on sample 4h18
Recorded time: 11h00
